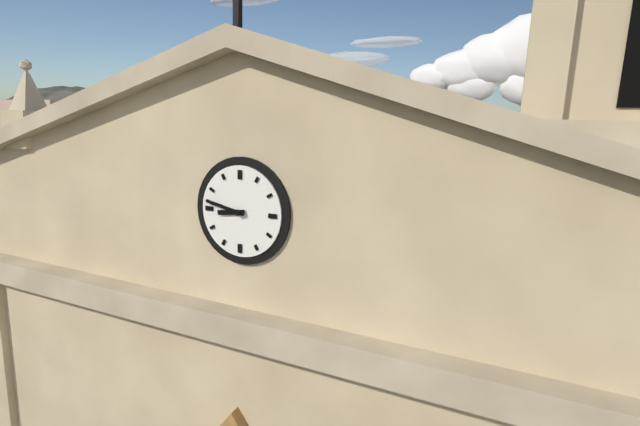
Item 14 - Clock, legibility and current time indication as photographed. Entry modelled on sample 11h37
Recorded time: 8h47
